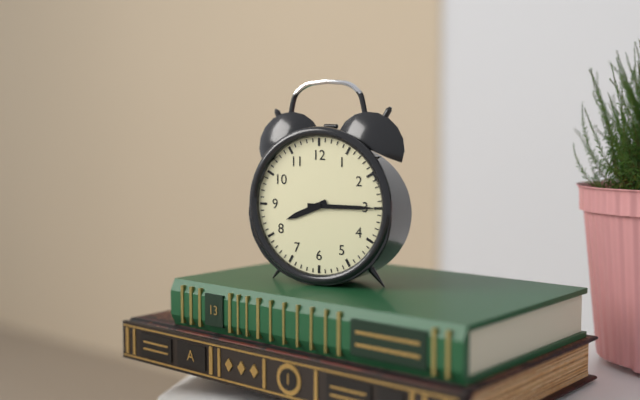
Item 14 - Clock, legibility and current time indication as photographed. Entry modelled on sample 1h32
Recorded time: 8h15
